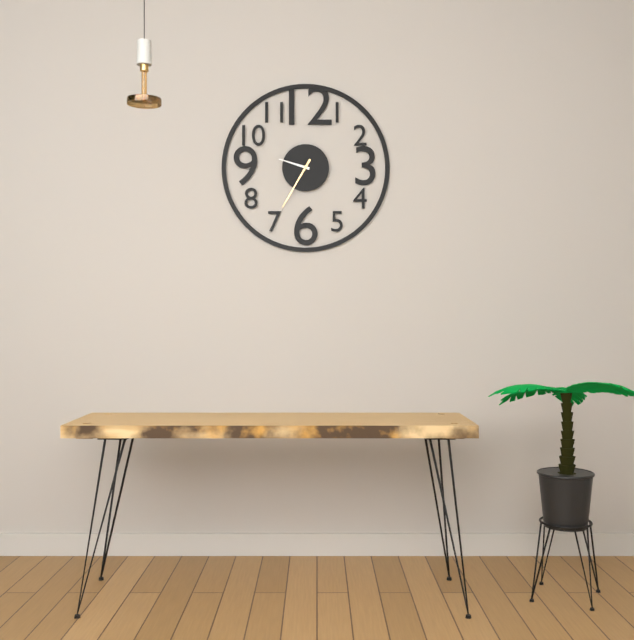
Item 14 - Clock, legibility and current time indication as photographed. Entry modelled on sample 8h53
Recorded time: 9h35
